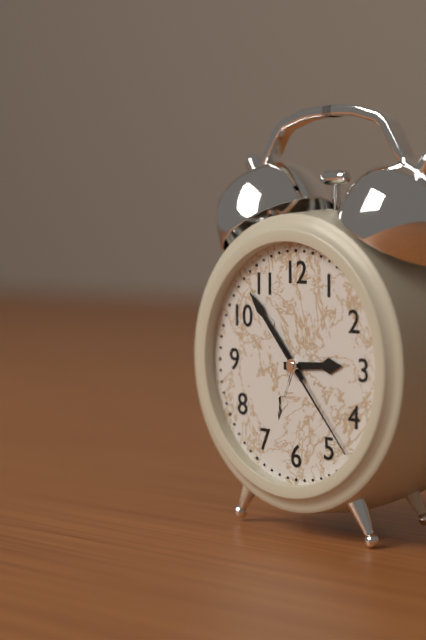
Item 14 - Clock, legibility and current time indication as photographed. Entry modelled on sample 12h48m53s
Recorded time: 2h53m23s
